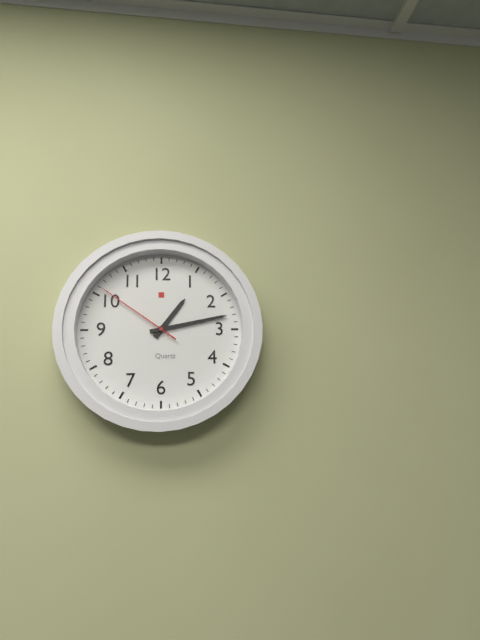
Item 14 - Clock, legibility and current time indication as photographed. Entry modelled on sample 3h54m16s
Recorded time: 1h13m51s
